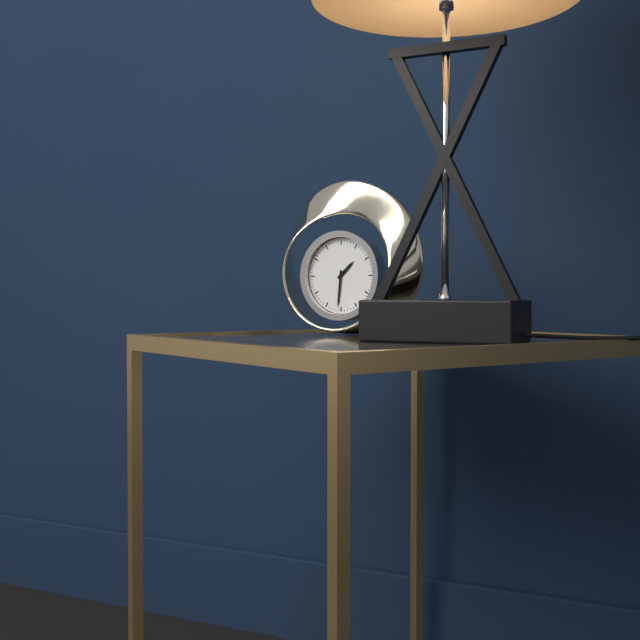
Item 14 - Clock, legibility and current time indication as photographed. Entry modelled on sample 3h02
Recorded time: 1h31
